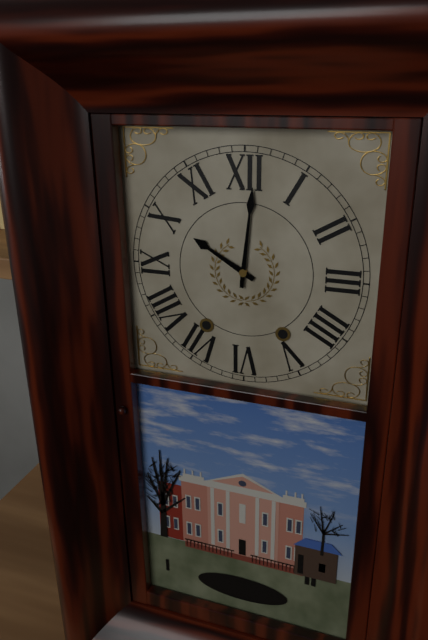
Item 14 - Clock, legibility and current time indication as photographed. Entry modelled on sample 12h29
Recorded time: 10h01
